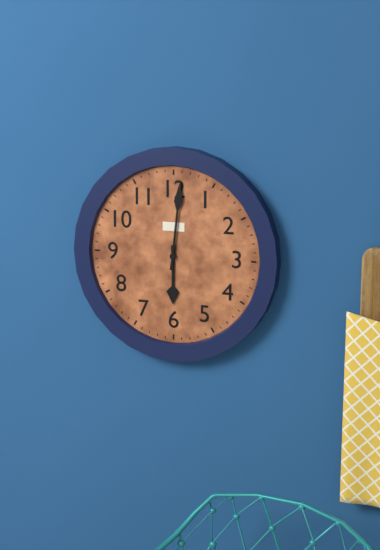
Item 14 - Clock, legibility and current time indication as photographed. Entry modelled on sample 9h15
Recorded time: 6h01
